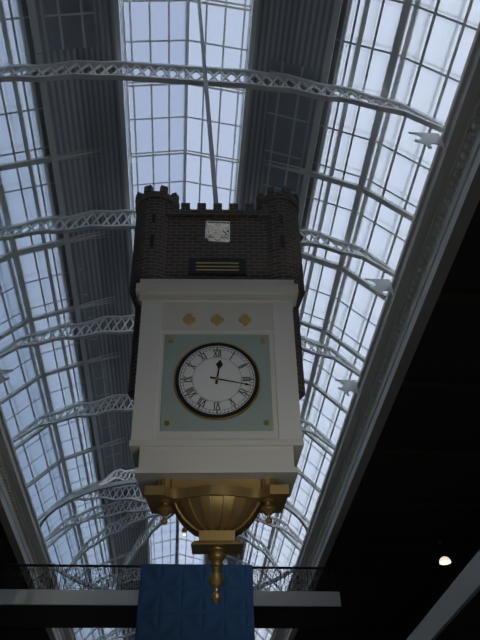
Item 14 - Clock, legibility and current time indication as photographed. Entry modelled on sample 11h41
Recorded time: 12h17
